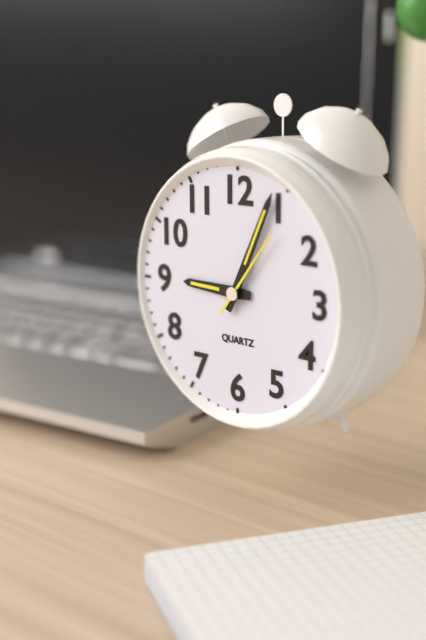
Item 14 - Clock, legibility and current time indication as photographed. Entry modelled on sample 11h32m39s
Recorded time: 9h04m06s
